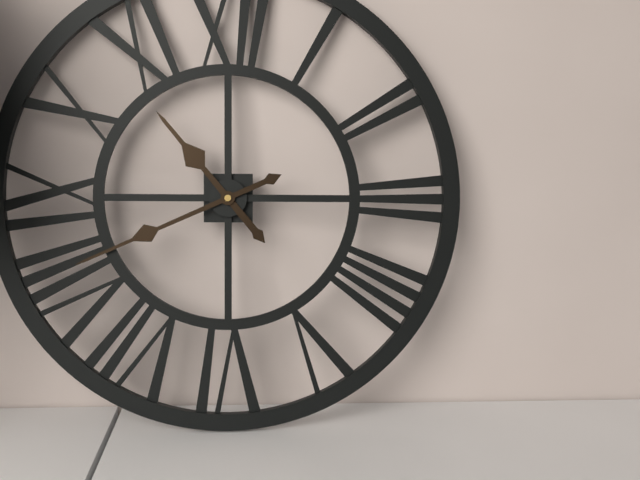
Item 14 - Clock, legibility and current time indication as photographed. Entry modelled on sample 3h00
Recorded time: 10h41
